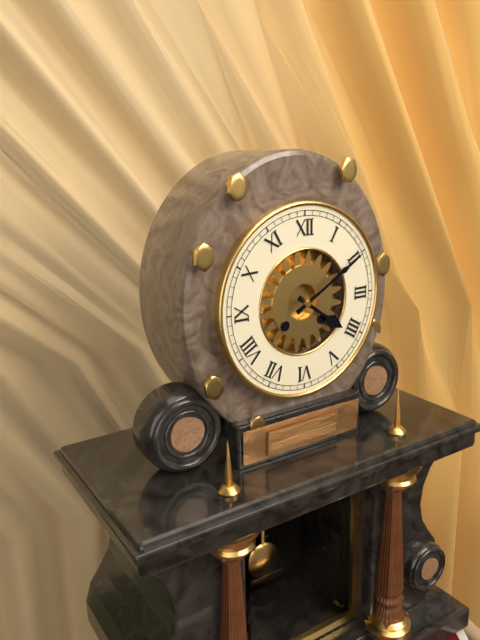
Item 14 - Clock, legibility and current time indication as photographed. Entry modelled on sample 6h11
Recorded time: 4h10
